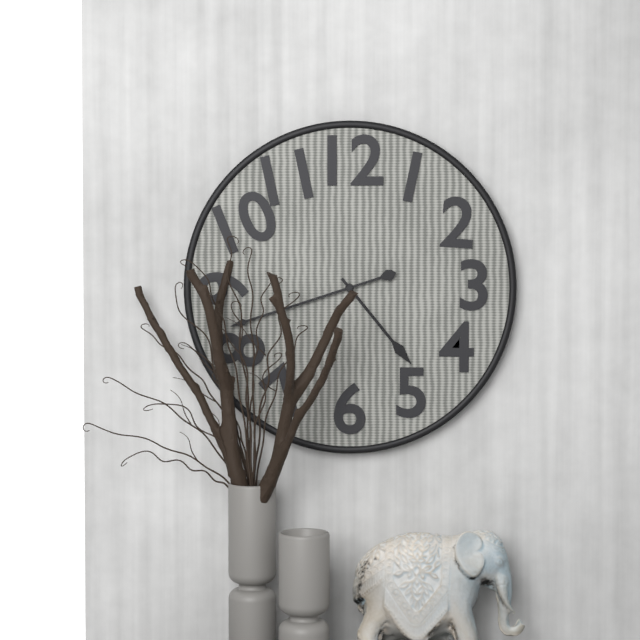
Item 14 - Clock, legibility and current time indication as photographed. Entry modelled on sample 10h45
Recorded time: 4h42
